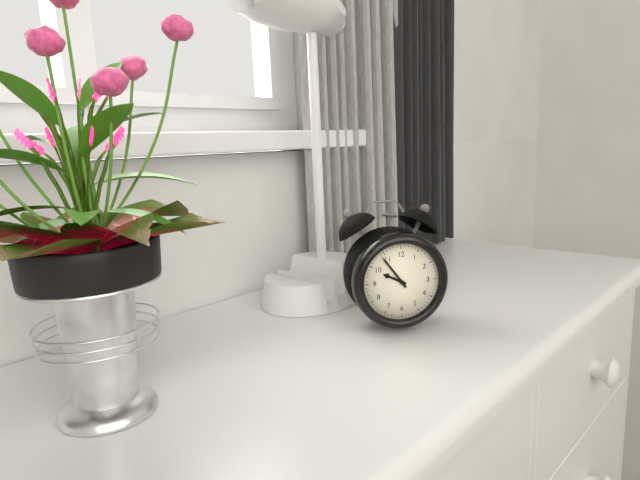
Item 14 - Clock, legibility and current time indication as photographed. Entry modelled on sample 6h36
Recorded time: 9h54
